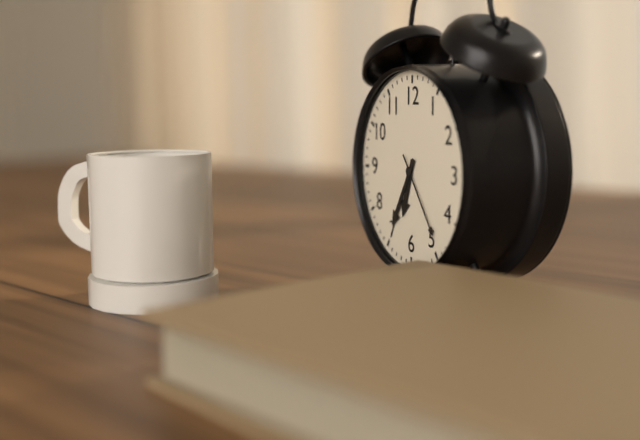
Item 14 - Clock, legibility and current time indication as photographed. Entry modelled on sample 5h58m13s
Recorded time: 6h35m24s
